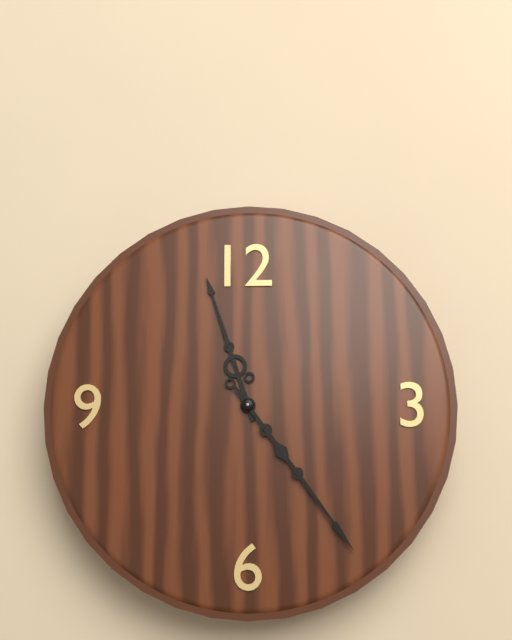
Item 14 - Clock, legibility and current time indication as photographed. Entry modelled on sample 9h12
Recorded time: 11h24
